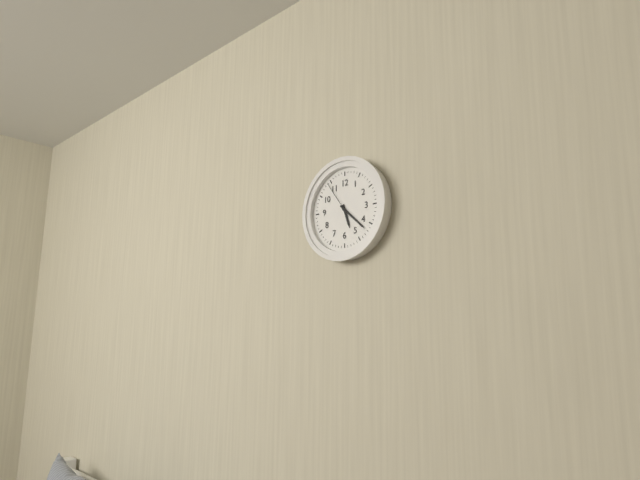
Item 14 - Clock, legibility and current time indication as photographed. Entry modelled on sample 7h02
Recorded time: 5h22
